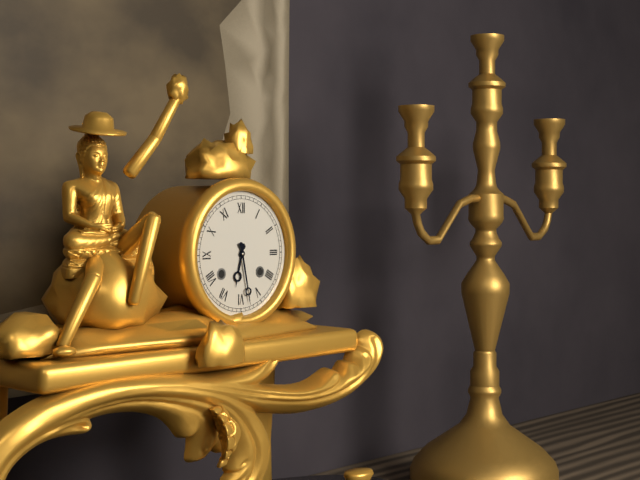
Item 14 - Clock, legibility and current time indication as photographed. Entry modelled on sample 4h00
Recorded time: 6h28
